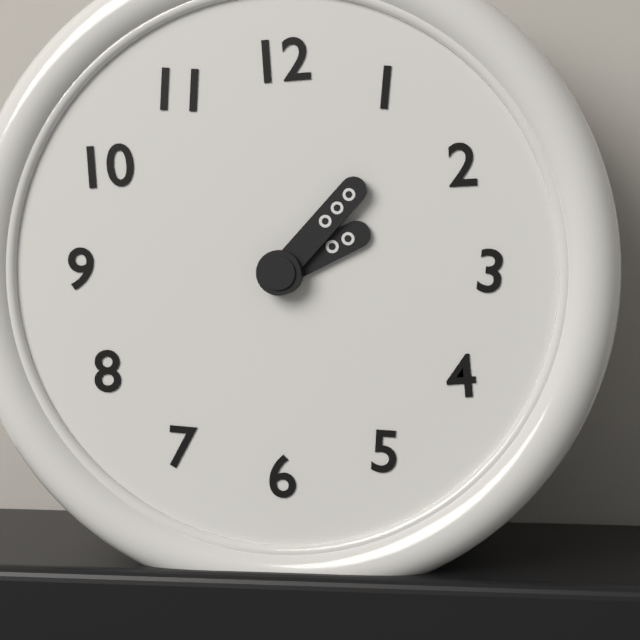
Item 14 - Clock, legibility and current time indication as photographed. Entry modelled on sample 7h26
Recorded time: 2h07
